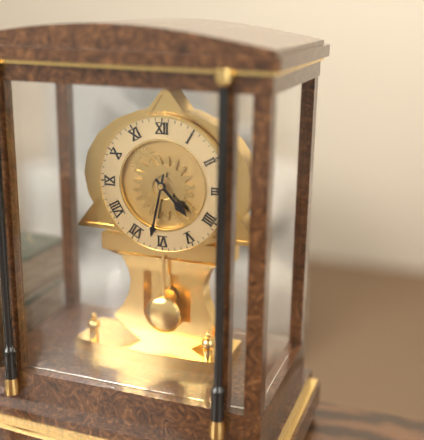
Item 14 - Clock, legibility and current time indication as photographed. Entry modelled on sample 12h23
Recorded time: 4h32
